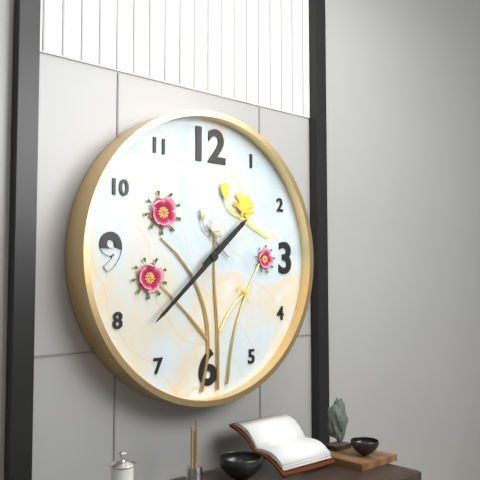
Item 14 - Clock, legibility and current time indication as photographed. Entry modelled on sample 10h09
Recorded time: 1h38
